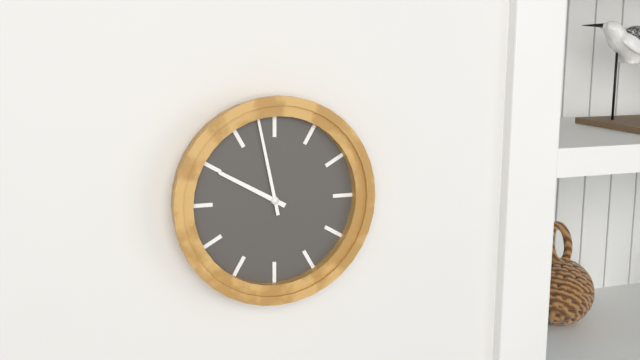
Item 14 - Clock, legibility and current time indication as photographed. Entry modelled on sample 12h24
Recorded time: 9h58
